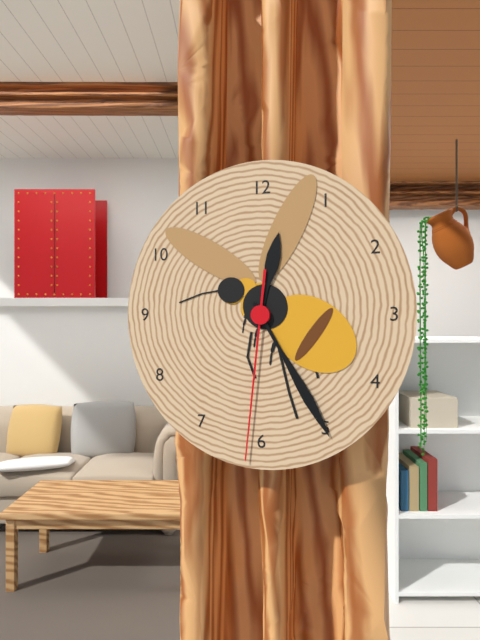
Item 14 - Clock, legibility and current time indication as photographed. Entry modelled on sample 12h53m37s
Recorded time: 12h25m31s
